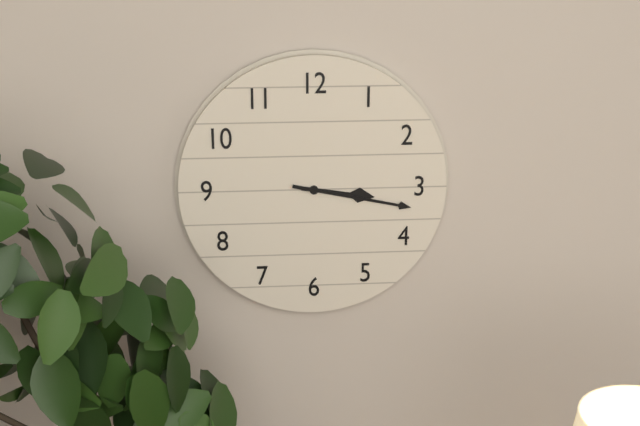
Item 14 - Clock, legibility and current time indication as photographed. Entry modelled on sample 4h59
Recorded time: 3h17
